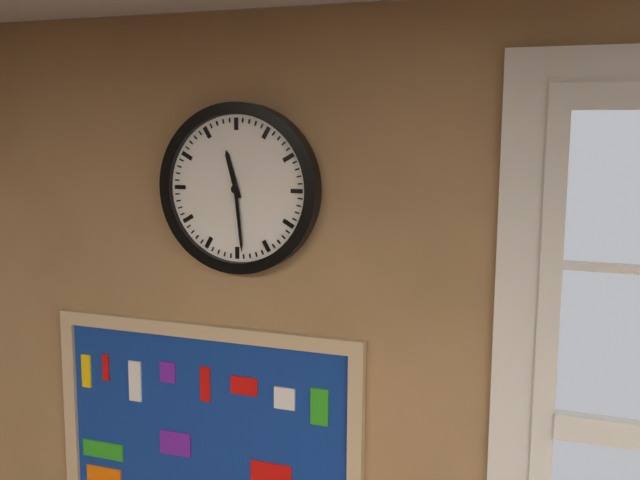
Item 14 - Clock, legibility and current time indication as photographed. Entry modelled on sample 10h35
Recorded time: 11h29
